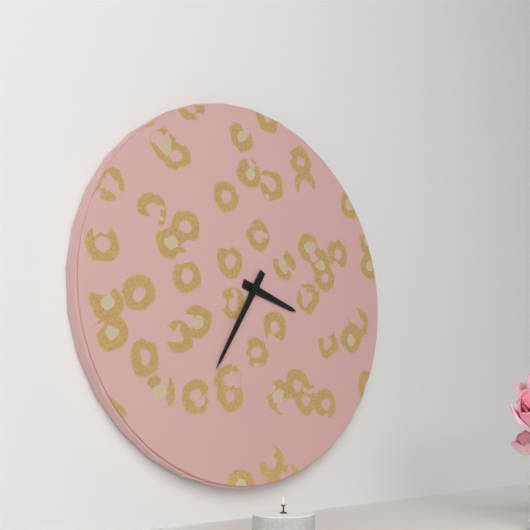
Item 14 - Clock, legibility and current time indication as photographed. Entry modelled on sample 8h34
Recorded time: 3h35
